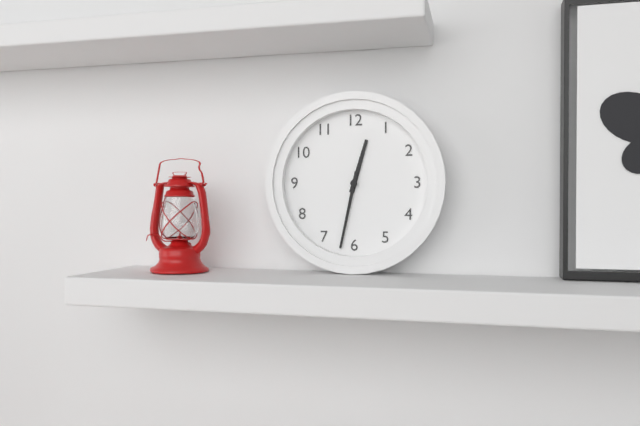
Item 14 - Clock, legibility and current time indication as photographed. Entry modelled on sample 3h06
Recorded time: 12h32
